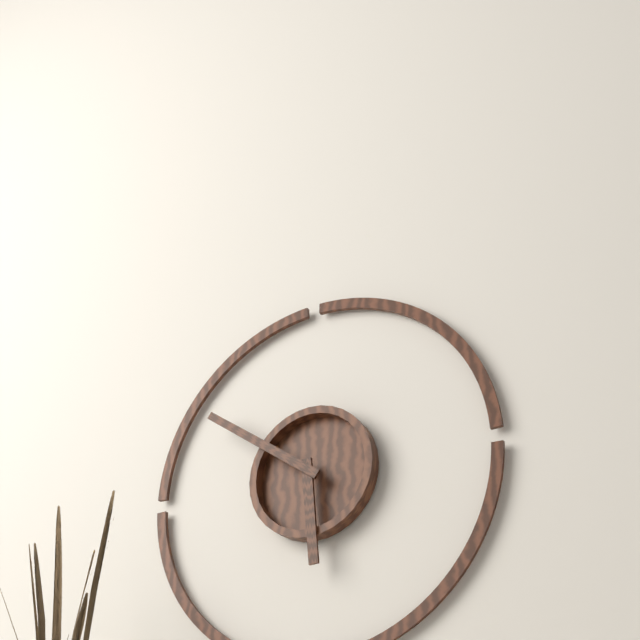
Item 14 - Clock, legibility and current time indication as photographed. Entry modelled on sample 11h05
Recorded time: 5h51
